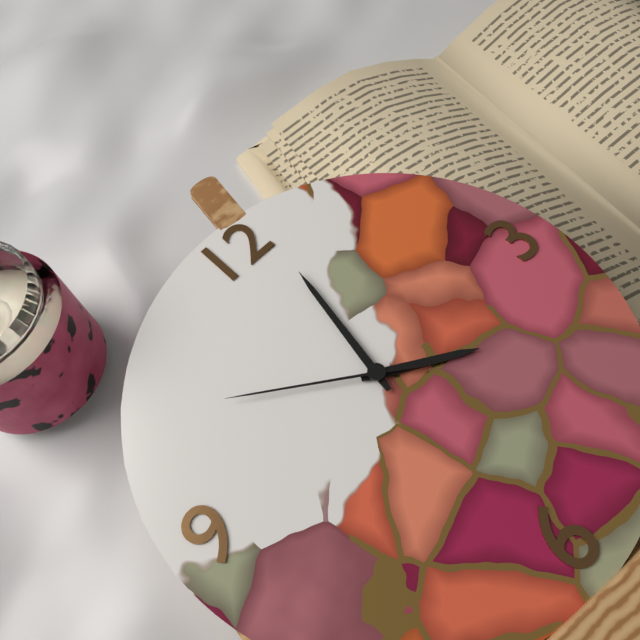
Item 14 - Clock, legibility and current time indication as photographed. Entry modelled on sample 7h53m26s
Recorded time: 4h02m51s
